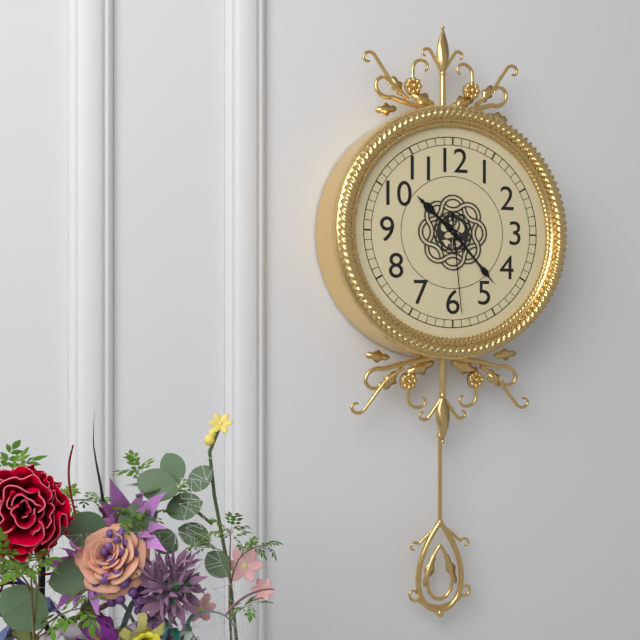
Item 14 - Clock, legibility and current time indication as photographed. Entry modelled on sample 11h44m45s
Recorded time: 10h23m29s
